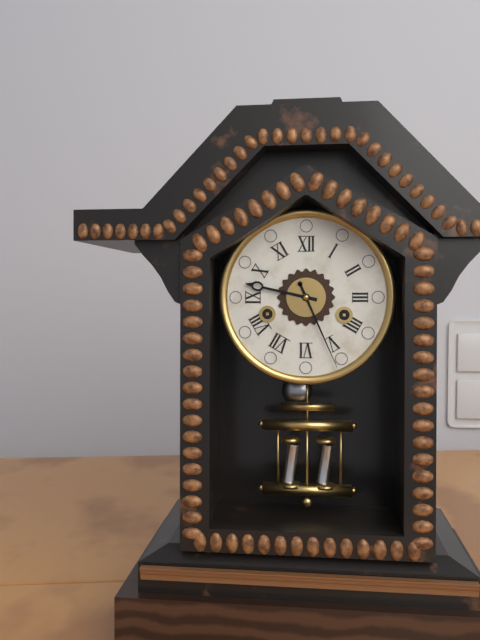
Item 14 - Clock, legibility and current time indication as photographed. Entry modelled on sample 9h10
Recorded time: 9h26
